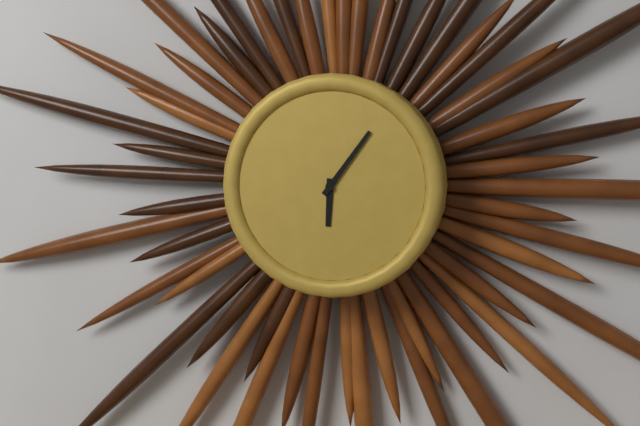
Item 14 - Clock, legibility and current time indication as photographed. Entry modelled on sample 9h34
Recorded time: 6h06
